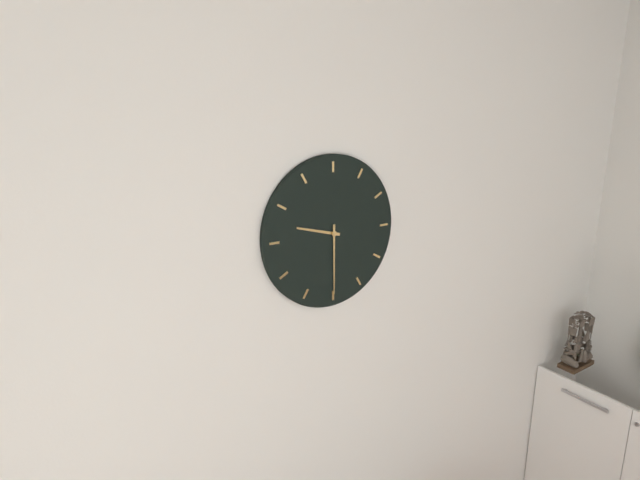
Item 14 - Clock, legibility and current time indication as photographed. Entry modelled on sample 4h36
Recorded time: 9h30
